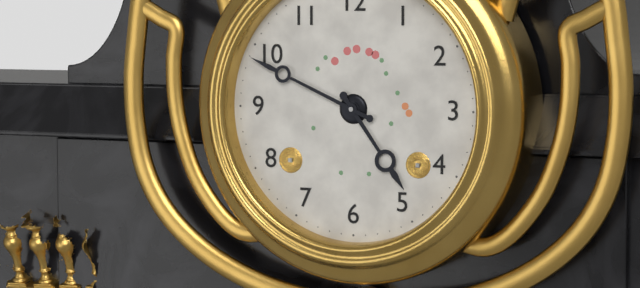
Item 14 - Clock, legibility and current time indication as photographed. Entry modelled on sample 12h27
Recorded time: 4h49
